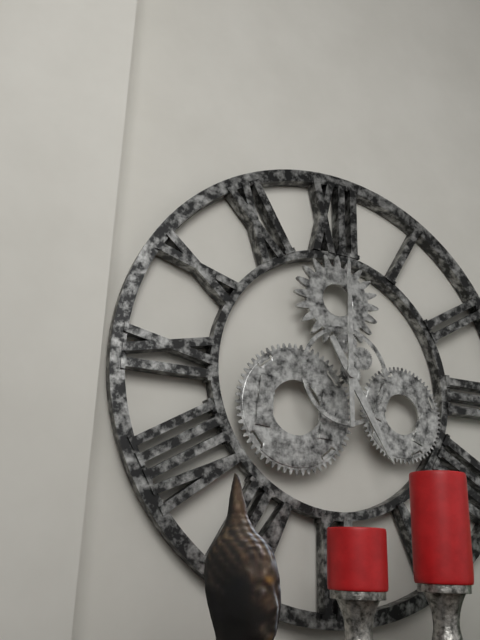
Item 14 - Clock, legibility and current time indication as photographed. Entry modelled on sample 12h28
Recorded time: 5h00
